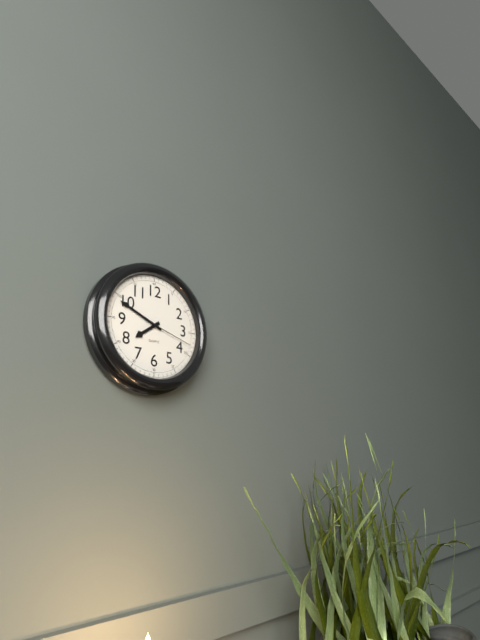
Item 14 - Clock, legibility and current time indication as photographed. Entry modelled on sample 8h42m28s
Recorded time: 7h49m18s
